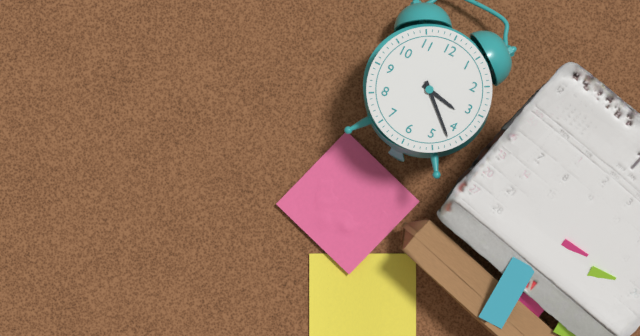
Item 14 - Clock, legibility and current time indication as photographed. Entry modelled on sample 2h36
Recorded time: 3h22
